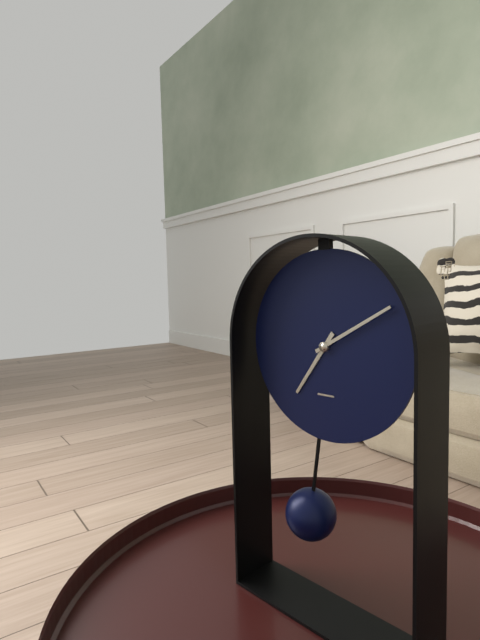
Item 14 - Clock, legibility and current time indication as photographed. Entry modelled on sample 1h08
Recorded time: 7h10
